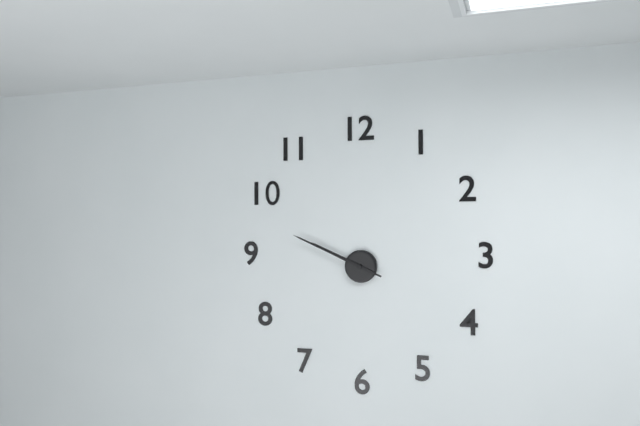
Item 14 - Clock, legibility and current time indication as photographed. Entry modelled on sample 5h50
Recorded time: 9h49
